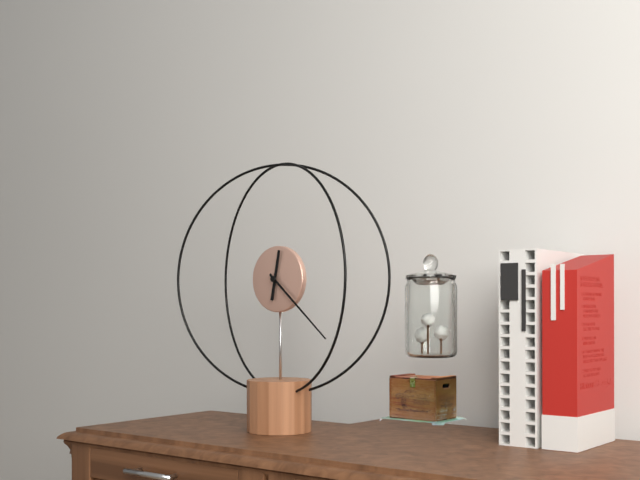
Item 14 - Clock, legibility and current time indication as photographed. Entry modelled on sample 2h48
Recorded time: 12h22
